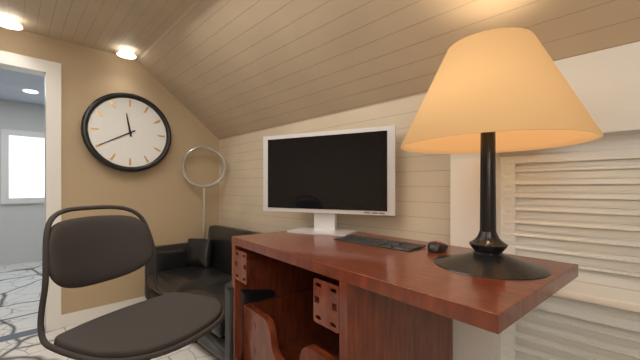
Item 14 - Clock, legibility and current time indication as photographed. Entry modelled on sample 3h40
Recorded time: 11h40
